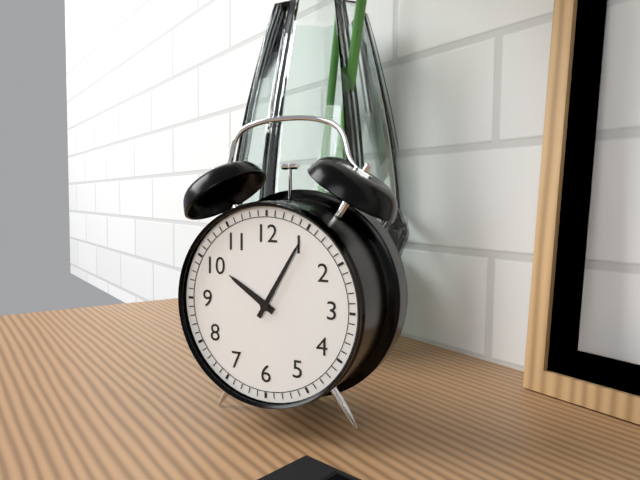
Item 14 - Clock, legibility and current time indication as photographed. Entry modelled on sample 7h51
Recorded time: 10h05
